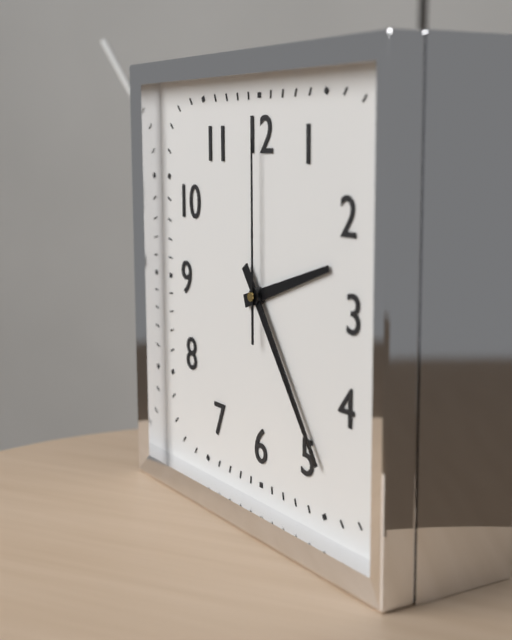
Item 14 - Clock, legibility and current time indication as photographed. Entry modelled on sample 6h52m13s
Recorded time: 2h24m00s
